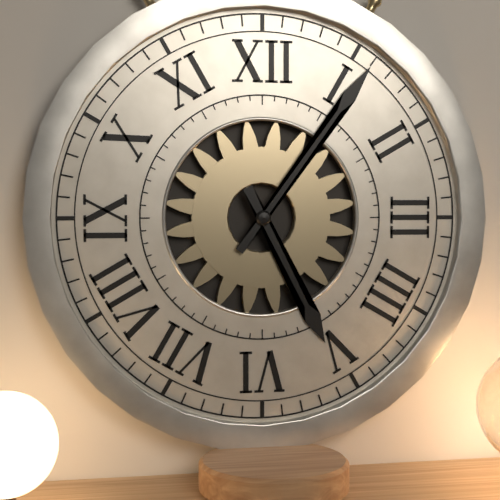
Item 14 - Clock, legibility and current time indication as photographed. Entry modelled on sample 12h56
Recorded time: 5h06
